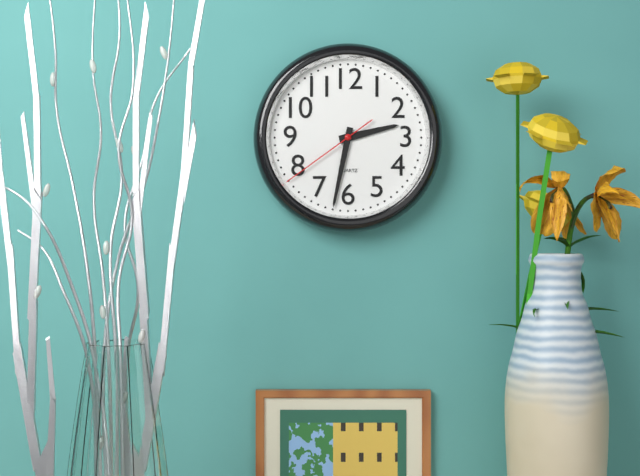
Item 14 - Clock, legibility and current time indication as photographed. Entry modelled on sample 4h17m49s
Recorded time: 2h32m39s
